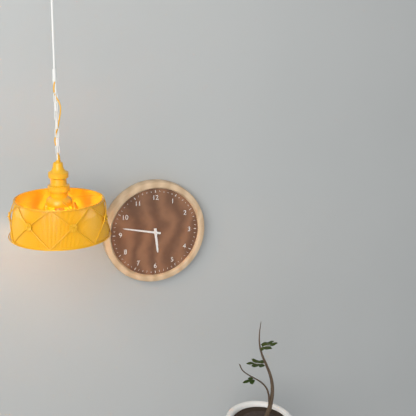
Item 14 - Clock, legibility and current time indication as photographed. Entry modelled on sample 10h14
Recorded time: 5h47
